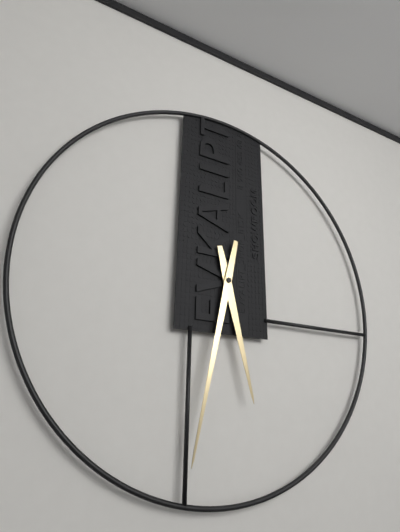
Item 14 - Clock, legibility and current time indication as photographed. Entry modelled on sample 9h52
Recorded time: 5h32
